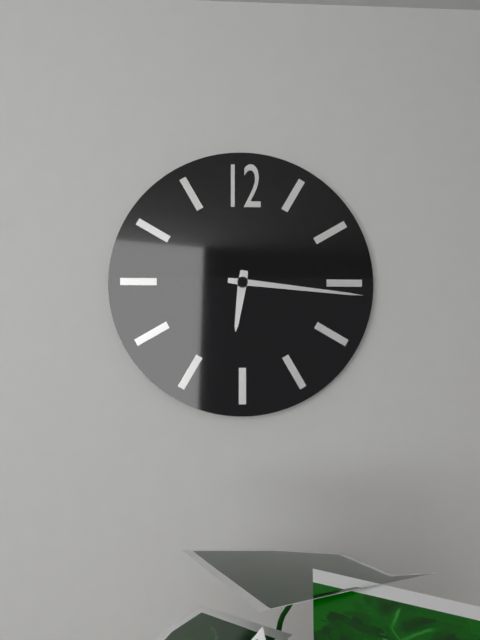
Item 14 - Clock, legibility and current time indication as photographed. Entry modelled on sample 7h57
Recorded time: 6h16
